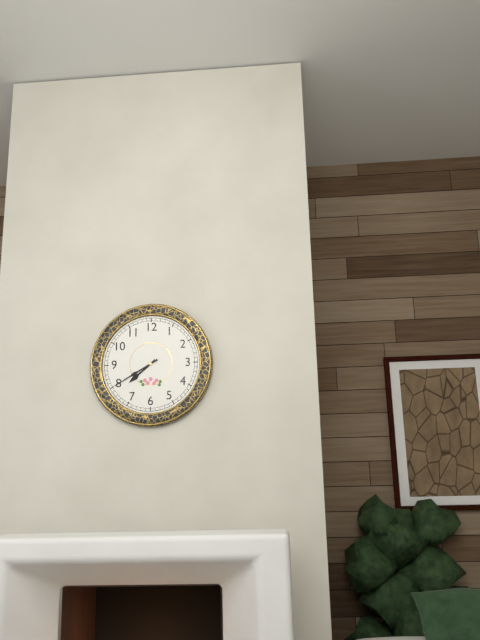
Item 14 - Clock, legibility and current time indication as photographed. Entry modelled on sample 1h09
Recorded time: 7h40
